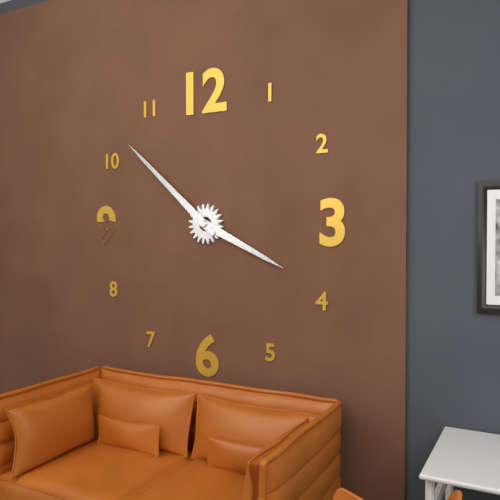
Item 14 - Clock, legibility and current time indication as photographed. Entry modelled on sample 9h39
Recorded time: 3h52
